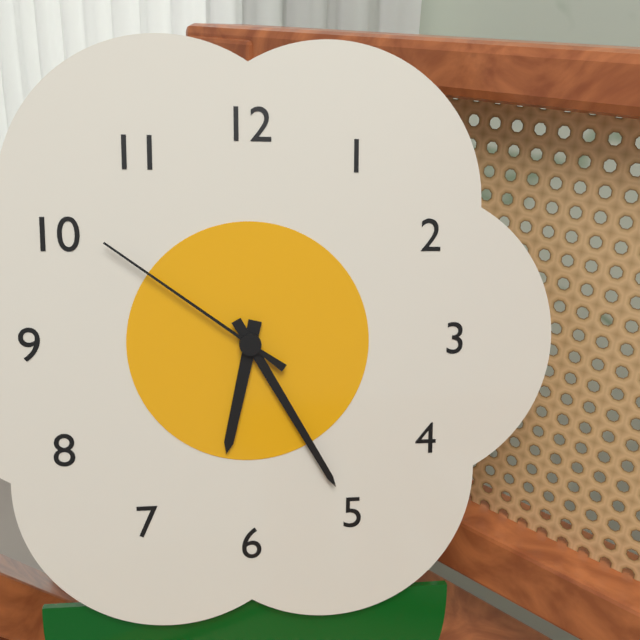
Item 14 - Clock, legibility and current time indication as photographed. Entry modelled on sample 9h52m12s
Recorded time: 6h25m51s
